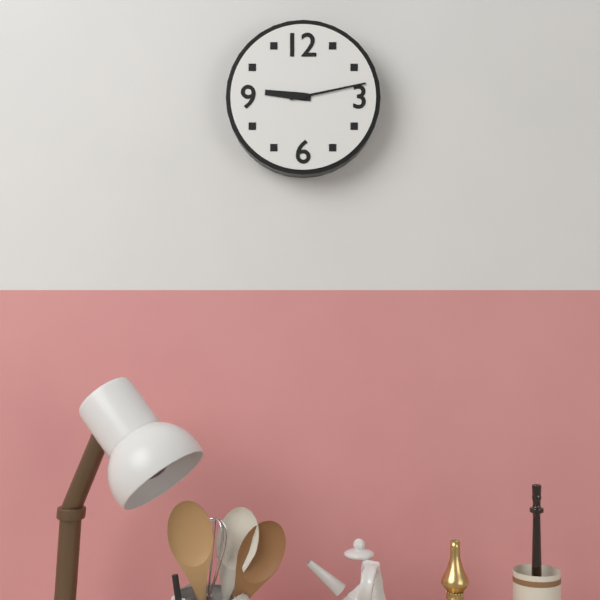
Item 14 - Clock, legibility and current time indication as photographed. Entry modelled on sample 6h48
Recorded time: 9h13
